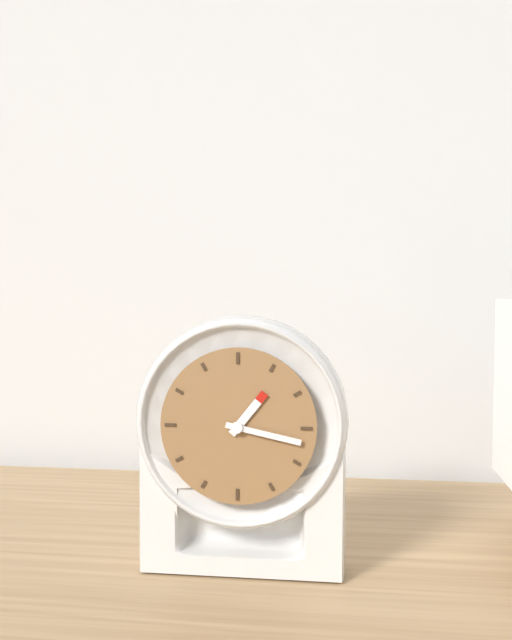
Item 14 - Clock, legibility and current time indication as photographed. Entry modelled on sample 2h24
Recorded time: 1h17
